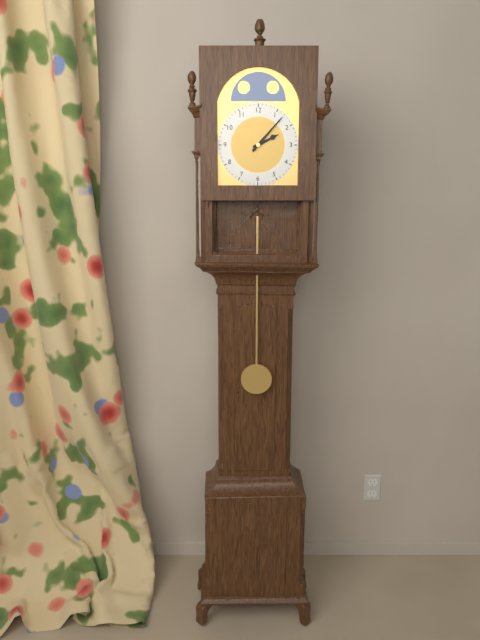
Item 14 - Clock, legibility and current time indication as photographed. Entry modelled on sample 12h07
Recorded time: 2h07
